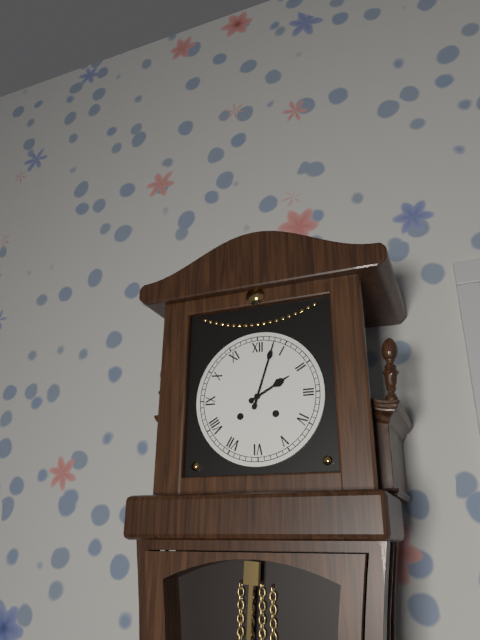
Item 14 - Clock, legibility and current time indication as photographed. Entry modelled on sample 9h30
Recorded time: 2h03
